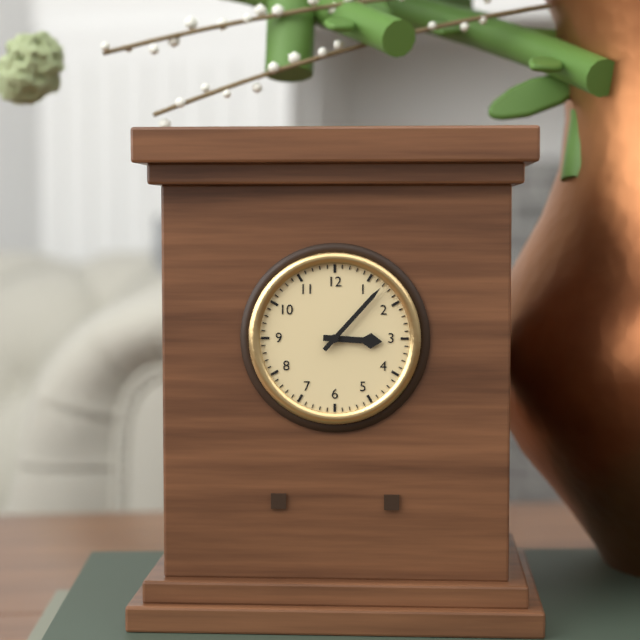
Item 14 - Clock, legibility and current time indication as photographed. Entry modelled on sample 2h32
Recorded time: 3h07
